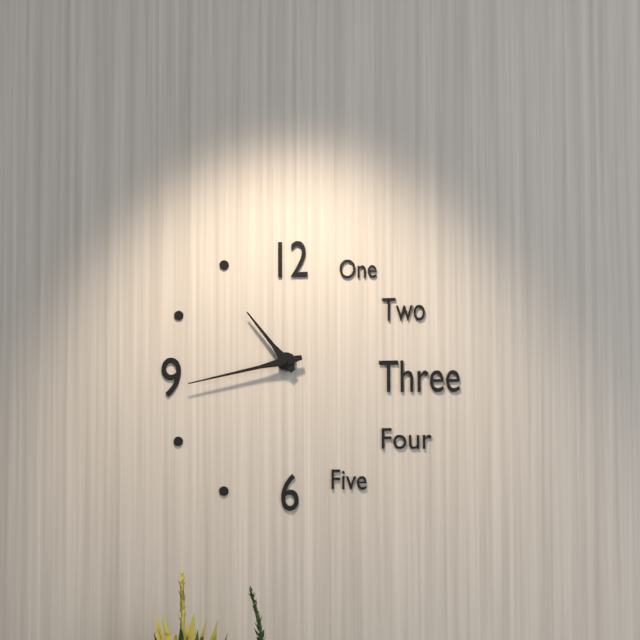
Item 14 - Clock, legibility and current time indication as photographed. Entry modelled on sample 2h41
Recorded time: 10h43
